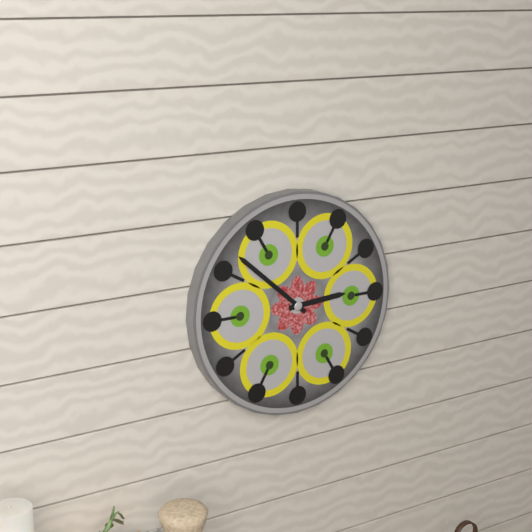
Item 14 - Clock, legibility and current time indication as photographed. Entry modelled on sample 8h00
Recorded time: 2h52
